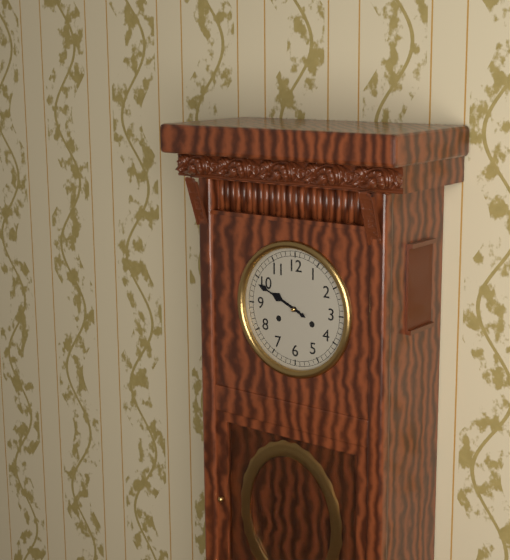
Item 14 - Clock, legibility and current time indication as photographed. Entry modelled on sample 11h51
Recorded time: 9h49
